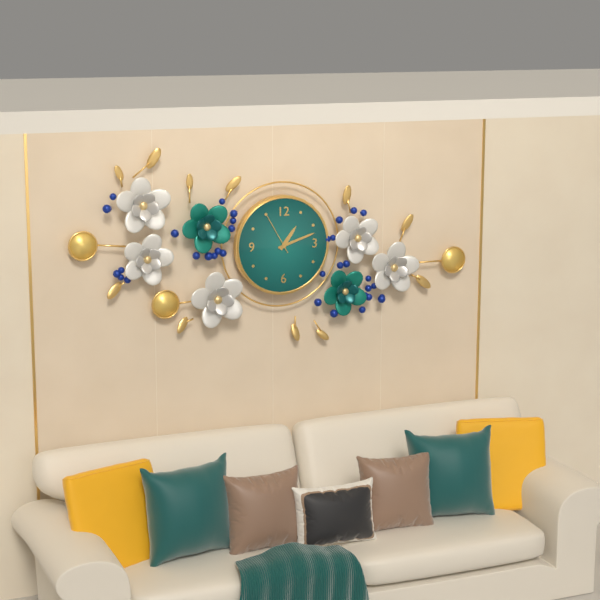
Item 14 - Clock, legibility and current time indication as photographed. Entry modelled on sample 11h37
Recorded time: 1h12
